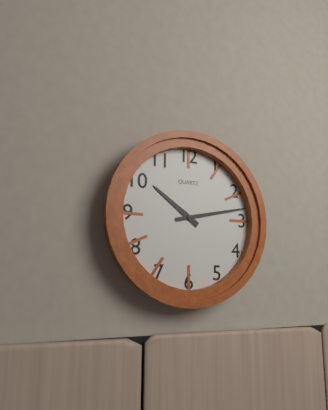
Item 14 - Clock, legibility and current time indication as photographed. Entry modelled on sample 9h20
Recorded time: 10h13
